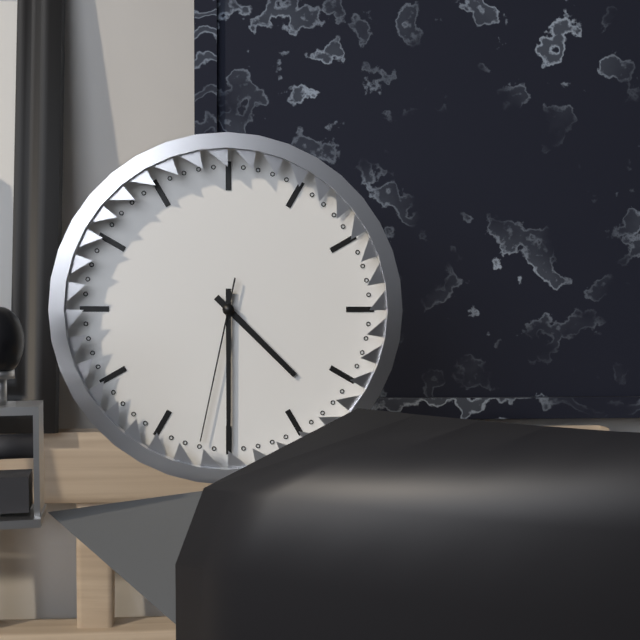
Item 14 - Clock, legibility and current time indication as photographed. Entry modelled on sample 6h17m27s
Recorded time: 4h30m32s
